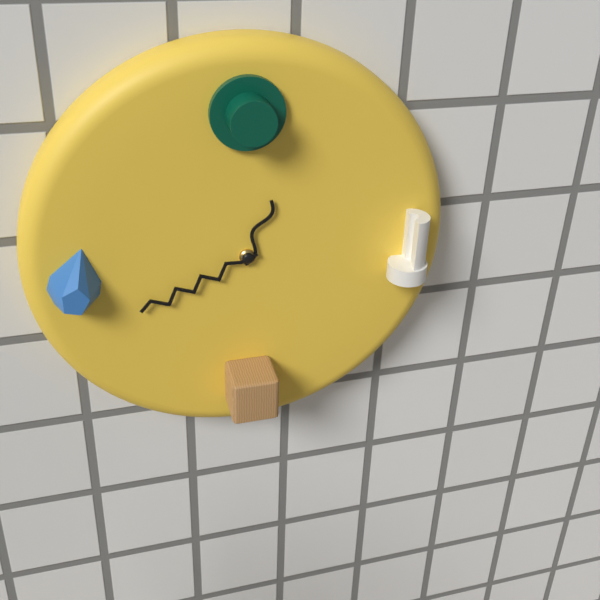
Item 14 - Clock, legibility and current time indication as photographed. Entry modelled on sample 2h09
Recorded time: 12h41
